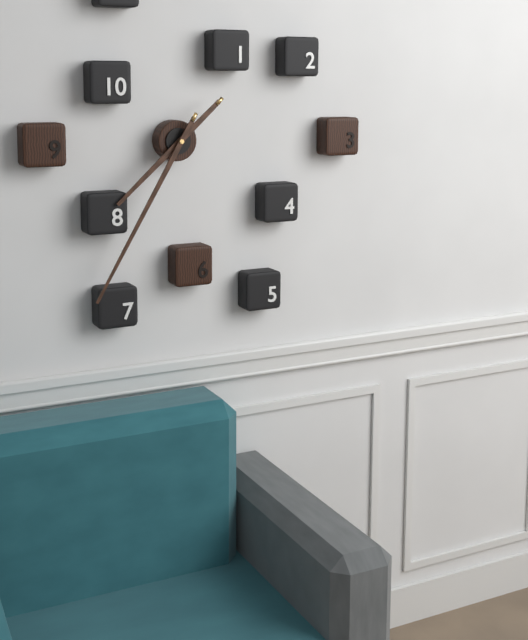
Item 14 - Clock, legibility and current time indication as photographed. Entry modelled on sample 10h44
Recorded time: 7h35
